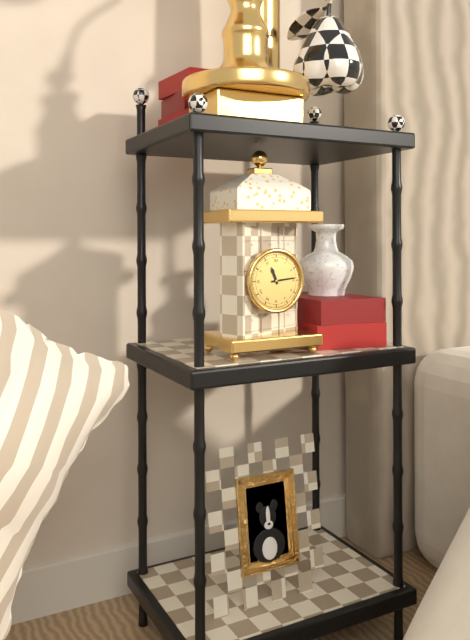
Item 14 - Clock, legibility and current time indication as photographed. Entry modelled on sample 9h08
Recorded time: 11h14
